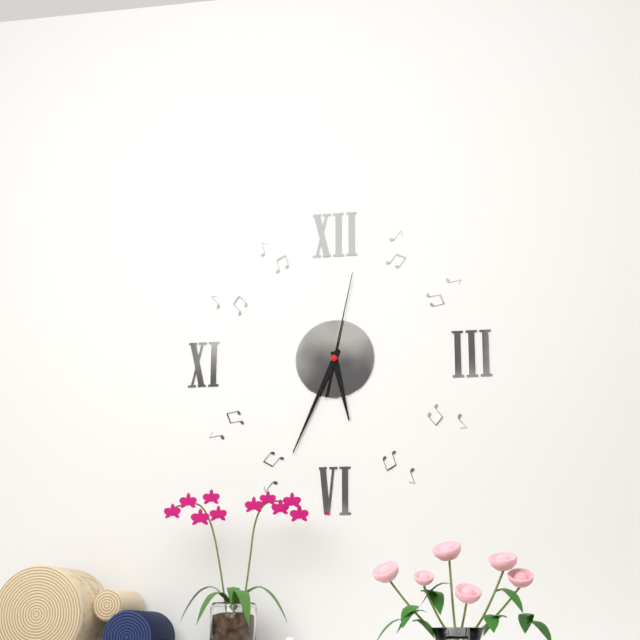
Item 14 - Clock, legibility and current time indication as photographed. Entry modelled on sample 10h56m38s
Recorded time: 5h34m02s
